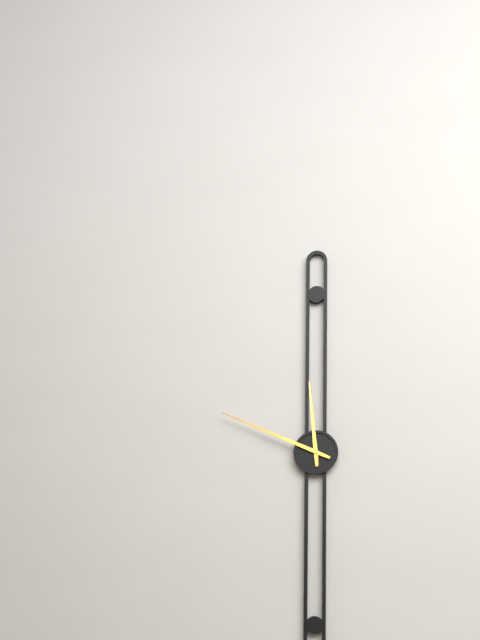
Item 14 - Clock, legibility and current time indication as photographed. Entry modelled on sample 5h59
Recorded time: 11h49
